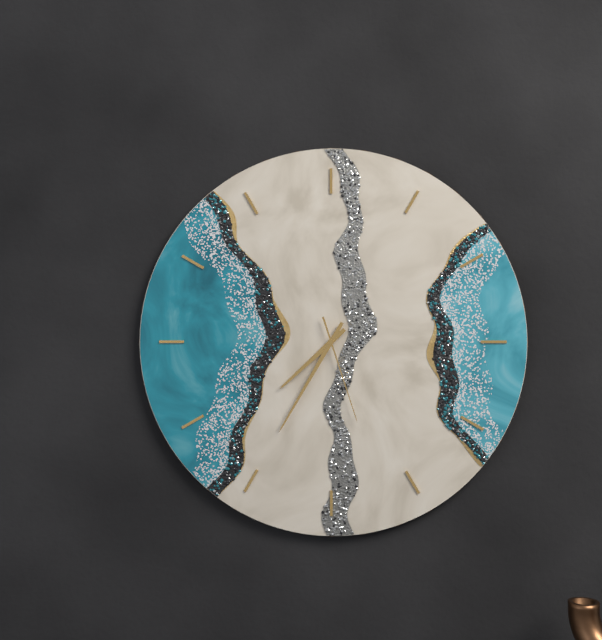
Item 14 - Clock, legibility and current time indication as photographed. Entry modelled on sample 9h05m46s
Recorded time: 7h35m27s
